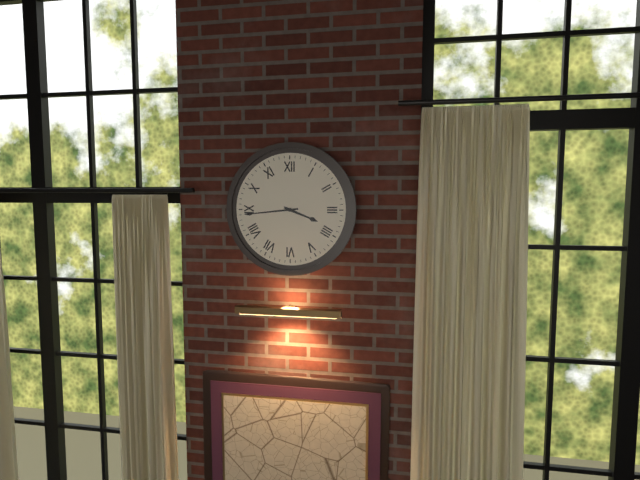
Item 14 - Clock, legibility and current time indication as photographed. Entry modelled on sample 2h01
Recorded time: 3h44
